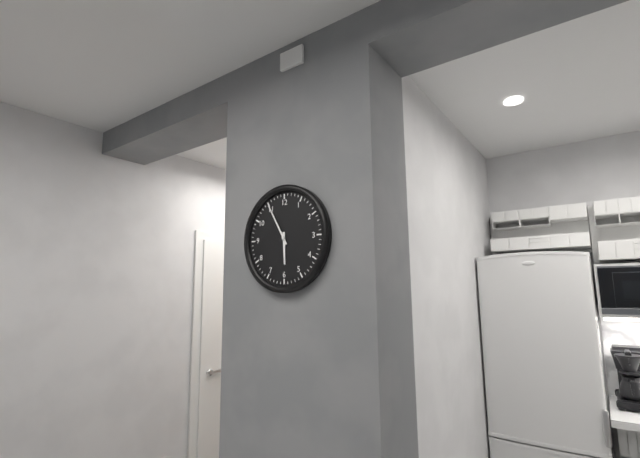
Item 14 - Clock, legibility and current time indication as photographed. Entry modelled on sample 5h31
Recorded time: 5h55
